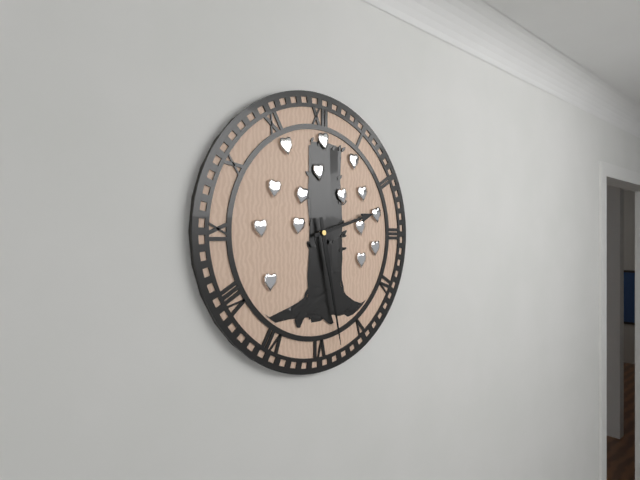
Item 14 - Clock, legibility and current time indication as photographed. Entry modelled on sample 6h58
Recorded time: 2h28
